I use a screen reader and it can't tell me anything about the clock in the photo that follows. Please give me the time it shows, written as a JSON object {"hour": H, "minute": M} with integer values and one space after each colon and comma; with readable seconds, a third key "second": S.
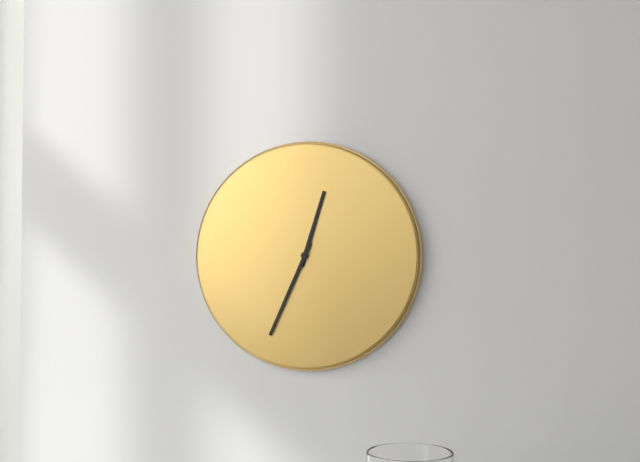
{"hour": 12, "minute": 34}
